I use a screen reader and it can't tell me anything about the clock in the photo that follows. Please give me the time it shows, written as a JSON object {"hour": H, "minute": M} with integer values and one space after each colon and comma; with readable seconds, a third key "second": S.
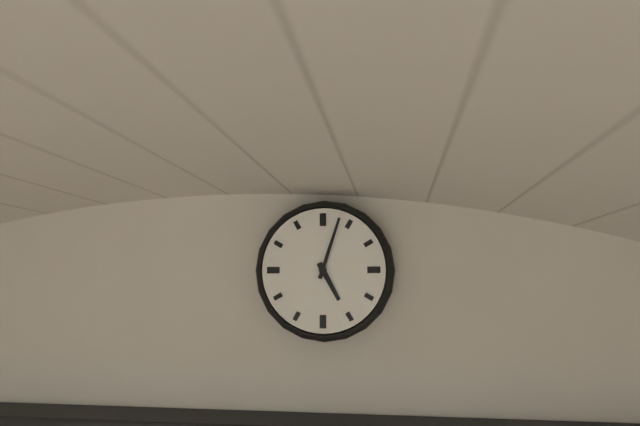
{"hour": 5, "minute": 3}
